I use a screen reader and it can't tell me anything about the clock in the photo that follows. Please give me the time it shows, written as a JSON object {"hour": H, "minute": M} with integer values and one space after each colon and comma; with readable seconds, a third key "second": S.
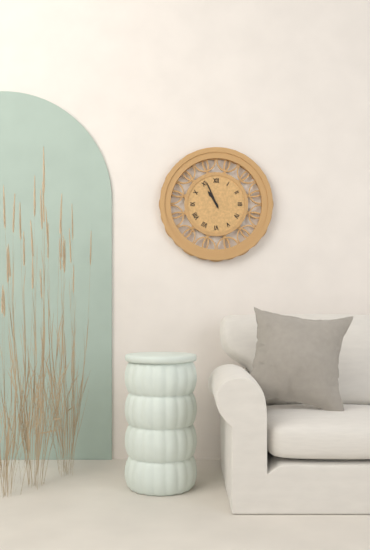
{"hour": 10, "minute": 56}
